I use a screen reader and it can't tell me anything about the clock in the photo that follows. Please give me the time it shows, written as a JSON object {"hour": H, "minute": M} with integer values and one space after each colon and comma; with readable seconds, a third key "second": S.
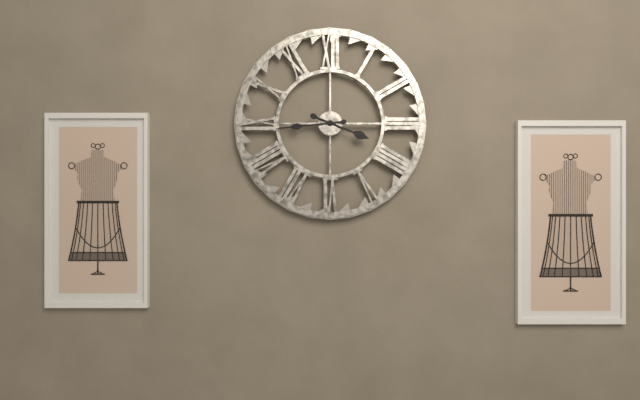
{"hour": 3, "minute": 44}
